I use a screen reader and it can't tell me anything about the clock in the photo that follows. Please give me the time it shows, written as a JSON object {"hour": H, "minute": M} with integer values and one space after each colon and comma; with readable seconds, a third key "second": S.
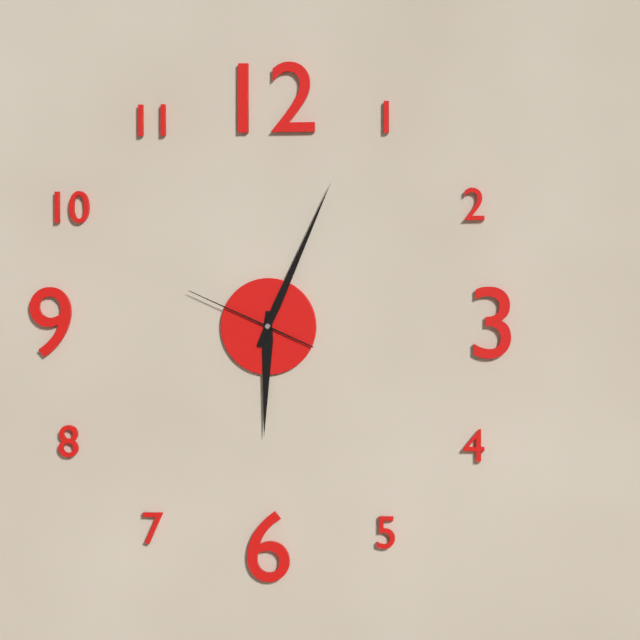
{"hour": 6, "minute": 4, "second": 49}
